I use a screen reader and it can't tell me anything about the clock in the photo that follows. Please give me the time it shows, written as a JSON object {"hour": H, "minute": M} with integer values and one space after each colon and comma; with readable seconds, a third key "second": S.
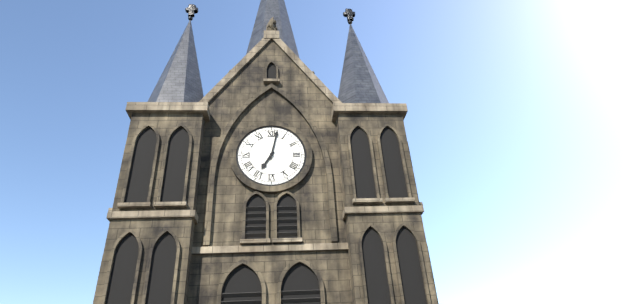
{"hour": 7, "minute": 2}
